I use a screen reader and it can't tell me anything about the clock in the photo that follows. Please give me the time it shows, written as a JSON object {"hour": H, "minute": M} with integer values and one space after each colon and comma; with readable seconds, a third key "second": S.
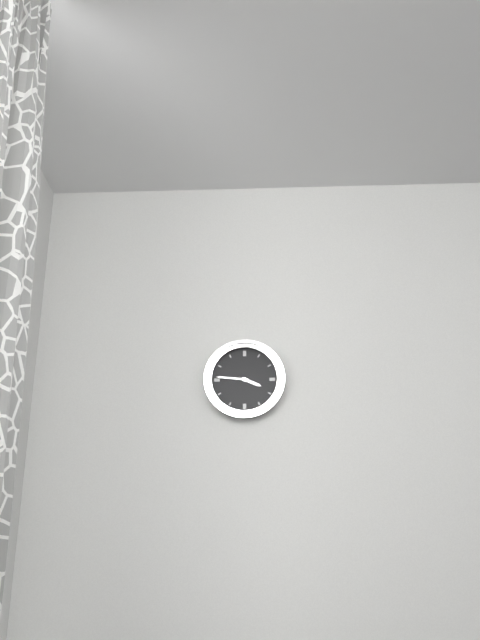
{"hour": 3, "minute": 46}
